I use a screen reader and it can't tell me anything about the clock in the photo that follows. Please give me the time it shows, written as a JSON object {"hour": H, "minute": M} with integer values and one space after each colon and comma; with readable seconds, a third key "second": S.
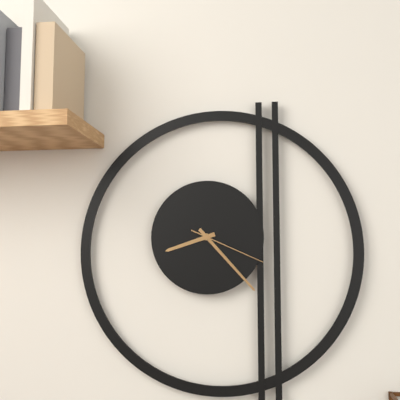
{"hour": 8, "minute": 23, "second": 19}
